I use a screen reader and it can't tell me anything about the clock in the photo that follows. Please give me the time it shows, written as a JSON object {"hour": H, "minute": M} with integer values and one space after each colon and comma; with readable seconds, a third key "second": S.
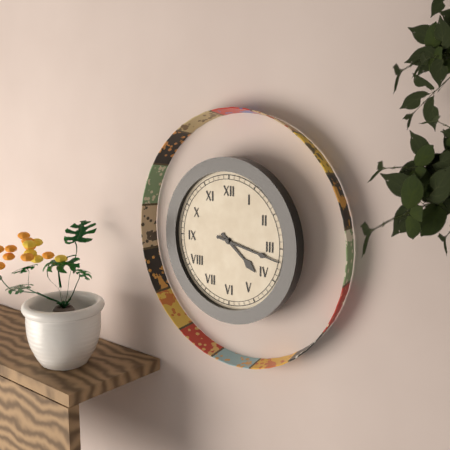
{"hour": 4, "minute": 17}
